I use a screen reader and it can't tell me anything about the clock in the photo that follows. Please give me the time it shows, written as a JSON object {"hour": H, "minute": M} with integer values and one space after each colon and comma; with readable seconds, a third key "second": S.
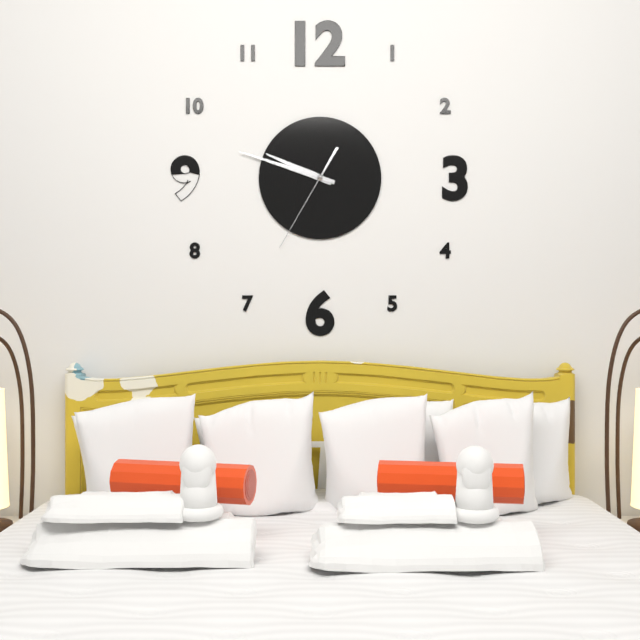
{"hour": 9, "minute": 48, "second": 35}
